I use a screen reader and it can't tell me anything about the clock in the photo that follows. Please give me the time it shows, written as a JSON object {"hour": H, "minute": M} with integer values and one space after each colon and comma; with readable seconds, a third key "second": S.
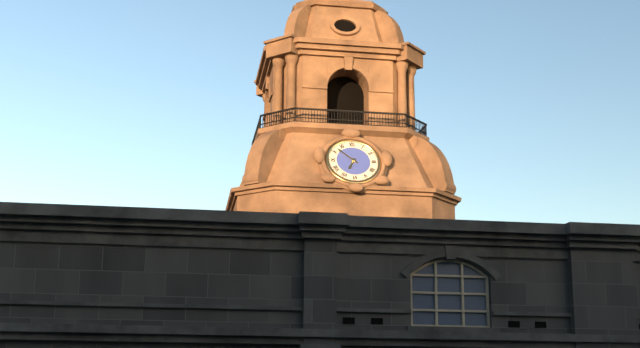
{"hour": 6, "minute": 52}
